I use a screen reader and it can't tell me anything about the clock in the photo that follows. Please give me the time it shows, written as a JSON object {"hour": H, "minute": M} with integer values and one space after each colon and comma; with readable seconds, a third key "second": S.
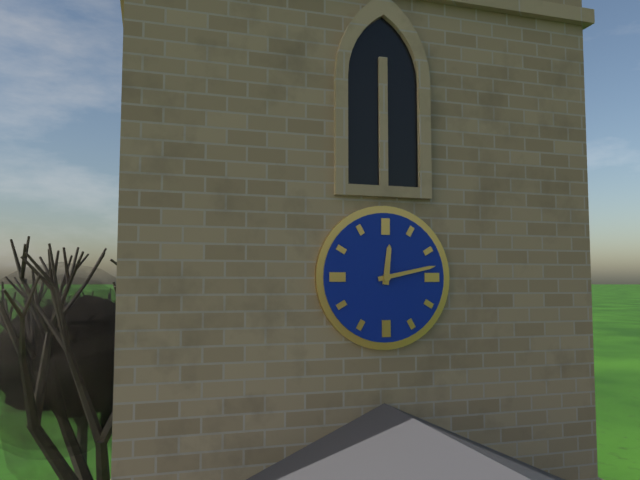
{"hour": 12, "minute": 13}
